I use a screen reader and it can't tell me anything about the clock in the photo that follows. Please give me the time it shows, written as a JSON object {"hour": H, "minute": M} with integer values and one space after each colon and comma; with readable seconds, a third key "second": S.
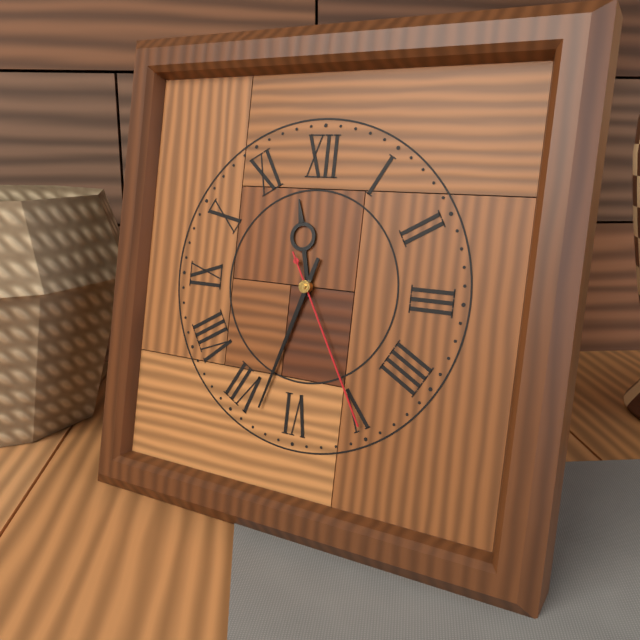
{"hour": 11, "minute": 33, "second": 25}
